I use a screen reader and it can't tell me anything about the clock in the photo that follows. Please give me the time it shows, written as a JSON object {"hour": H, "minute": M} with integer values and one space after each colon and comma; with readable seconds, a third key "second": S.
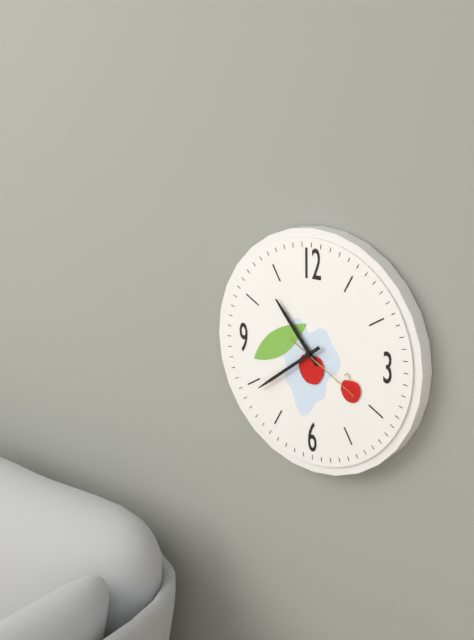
{"hour": 10, "minute": 39, "second": 20}
